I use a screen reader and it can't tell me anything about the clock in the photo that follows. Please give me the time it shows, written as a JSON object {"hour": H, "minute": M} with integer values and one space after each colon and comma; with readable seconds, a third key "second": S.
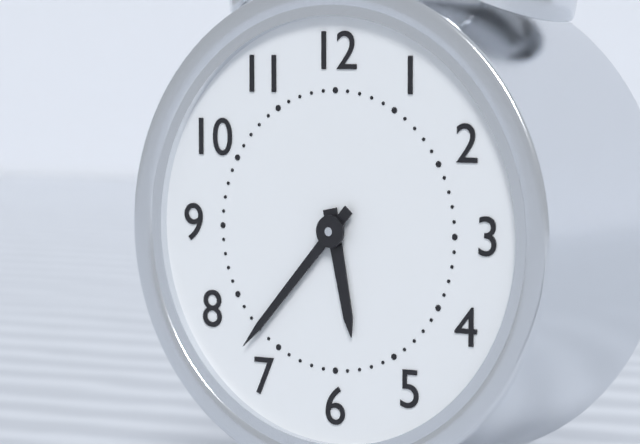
{"hour": 5, "minute": 37}
